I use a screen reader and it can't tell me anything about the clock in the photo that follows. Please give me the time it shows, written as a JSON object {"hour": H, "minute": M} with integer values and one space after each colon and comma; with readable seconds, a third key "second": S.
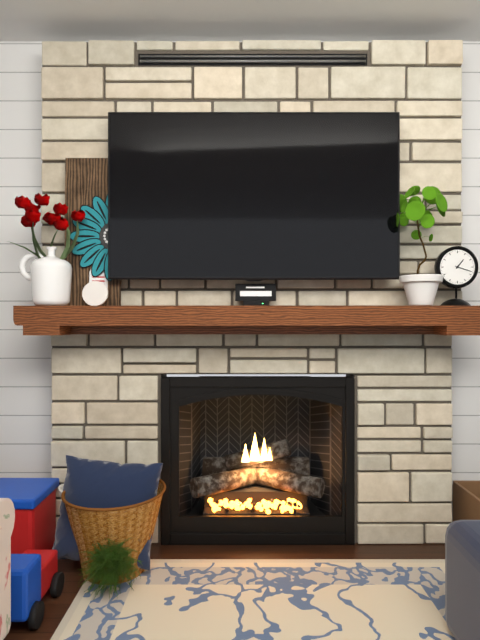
{"hour": 1, "minute": 18}
